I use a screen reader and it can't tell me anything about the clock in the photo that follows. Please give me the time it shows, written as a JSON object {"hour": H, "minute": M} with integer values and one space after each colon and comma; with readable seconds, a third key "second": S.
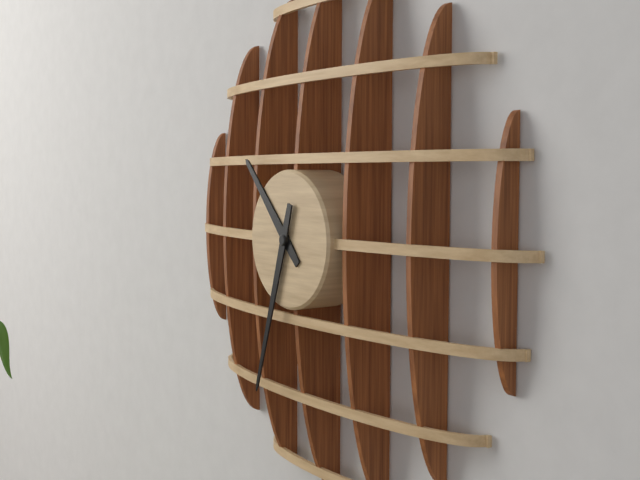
{"hour": 10, "minute": 33}
